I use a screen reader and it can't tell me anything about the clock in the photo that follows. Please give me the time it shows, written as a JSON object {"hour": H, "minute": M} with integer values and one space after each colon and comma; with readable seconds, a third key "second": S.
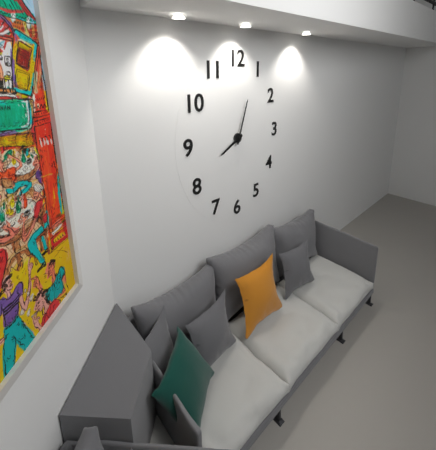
{"hour": 8, "minute": 3}
